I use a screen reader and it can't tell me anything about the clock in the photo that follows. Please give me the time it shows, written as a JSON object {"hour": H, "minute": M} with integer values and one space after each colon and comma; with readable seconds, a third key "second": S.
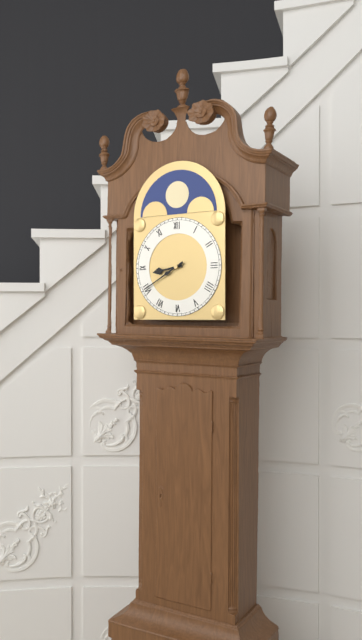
{"hour": 8, "minute": 40}
